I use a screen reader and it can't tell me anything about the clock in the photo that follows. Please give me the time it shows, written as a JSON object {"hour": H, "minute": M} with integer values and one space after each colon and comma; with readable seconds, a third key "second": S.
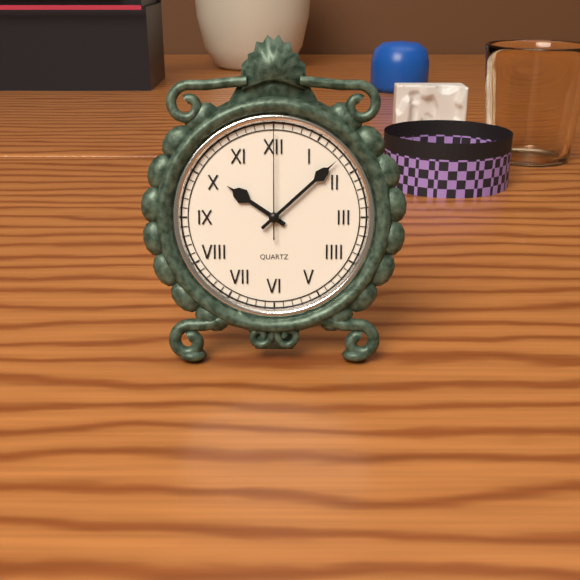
{"hour": 10, "minute": 8, "second": 0}
